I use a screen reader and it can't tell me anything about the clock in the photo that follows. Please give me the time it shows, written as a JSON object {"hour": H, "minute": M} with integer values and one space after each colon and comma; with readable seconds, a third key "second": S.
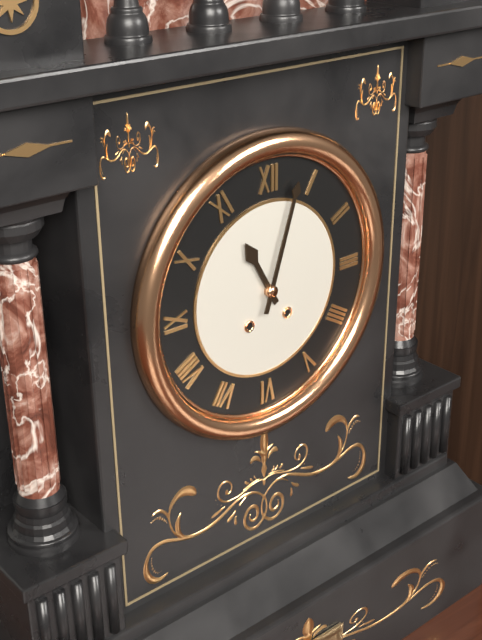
{"hour": 11, "minute": 3}
